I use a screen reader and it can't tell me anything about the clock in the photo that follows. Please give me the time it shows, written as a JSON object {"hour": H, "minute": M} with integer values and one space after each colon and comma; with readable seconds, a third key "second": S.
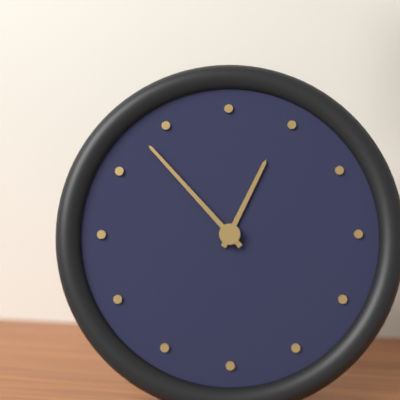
{"hour": 12, "minute": 53}
